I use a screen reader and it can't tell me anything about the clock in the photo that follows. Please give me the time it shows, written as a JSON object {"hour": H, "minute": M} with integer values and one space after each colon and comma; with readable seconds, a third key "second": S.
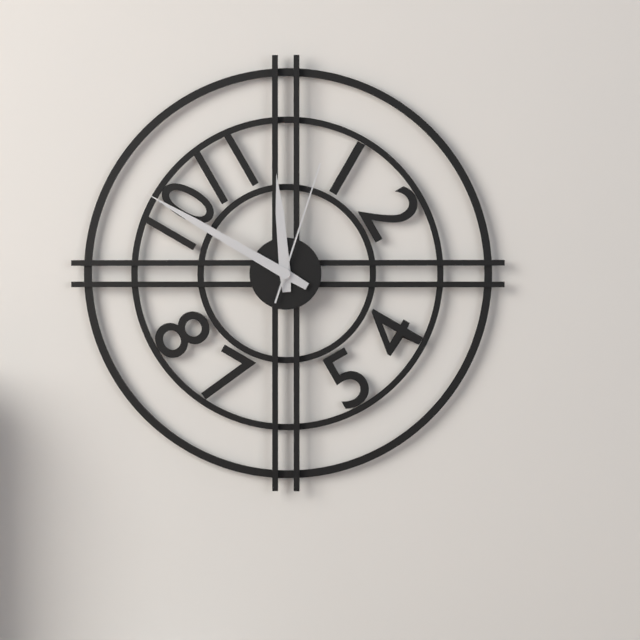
{"hour": 11, "minute": 50, "second": 3}
